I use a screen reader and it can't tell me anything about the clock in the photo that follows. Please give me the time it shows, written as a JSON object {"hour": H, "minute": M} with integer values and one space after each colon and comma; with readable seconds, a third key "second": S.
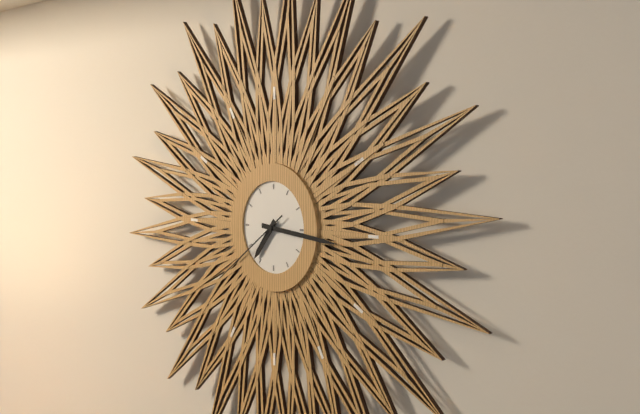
{"hour": 7, "minute": 16, "second": 39}
